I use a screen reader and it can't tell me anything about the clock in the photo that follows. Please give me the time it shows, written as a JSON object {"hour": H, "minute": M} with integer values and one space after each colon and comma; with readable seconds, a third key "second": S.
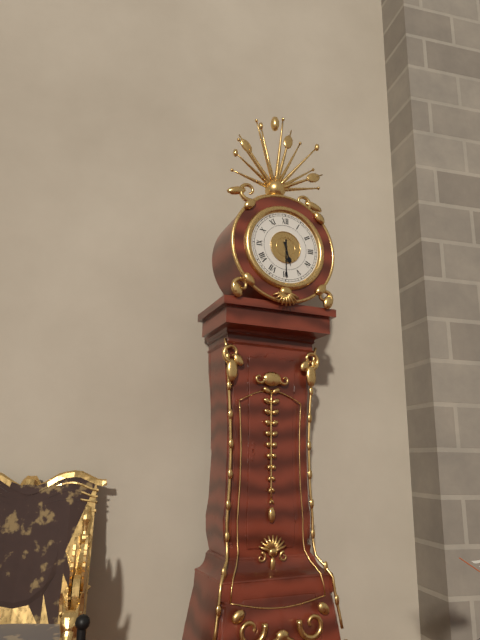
{"hour": 5, "minute": 30}
